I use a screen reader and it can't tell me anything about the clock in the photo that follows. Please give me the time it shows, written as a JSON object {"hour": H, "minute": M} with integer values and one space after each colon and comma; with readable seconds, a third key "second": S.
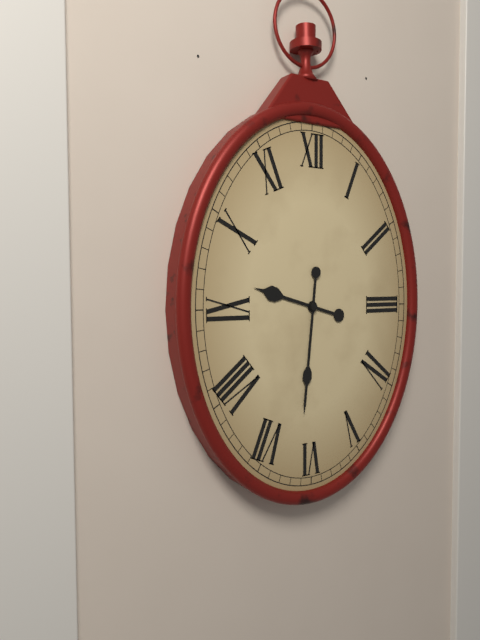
{"hour": 9, "minute": 31}
